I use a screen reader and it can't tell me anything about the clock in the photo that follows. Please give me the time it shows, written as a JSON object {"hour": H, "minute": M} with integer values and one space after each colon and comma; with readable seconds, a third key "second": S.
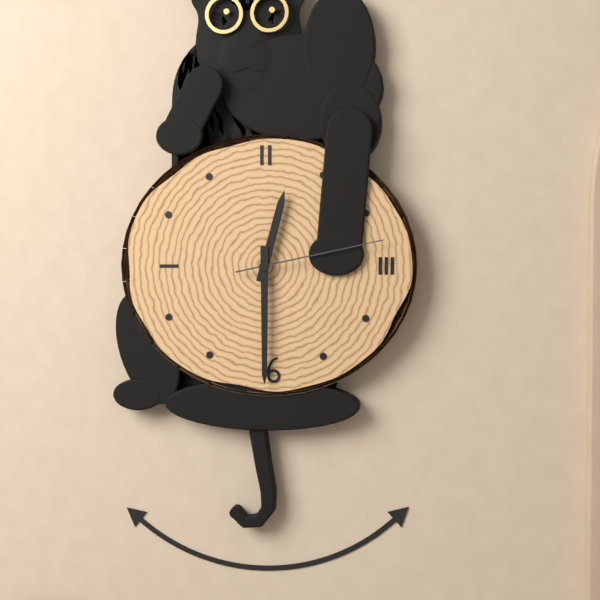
{"hour": 12, "minute": 30, "second": 13}
